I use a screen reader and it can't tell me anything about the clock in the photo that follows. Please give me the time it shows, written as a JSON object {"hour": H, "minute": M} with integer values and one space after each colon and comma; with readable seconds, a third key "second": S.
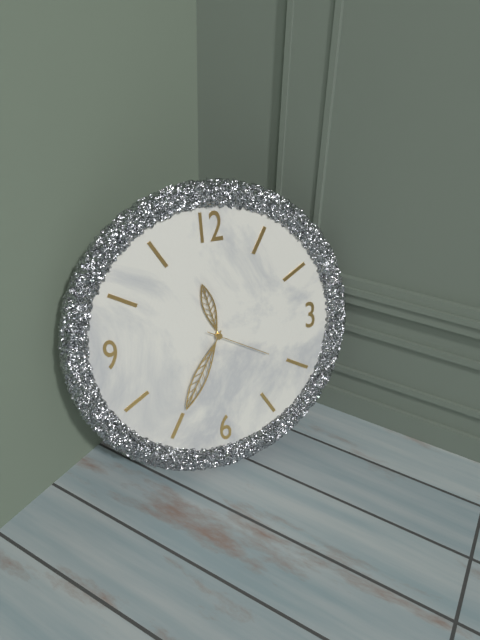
{"hour": 11, "minute": 35, "second": 20}
